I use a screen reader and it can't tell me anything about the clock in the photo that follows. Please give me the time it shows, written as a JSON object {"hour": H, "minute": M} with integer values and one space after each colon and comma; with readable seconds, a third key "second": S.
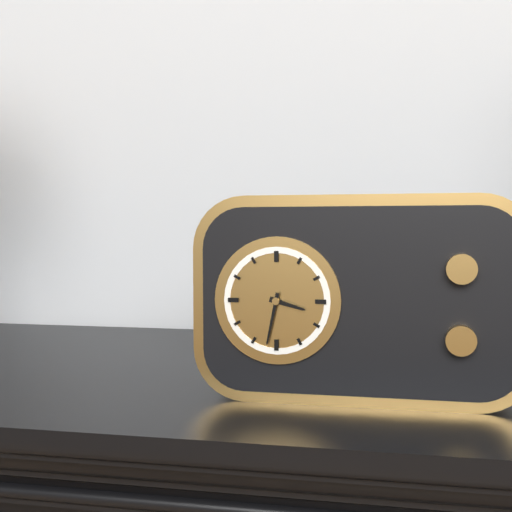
{"hour": 3, "minute": 32}
